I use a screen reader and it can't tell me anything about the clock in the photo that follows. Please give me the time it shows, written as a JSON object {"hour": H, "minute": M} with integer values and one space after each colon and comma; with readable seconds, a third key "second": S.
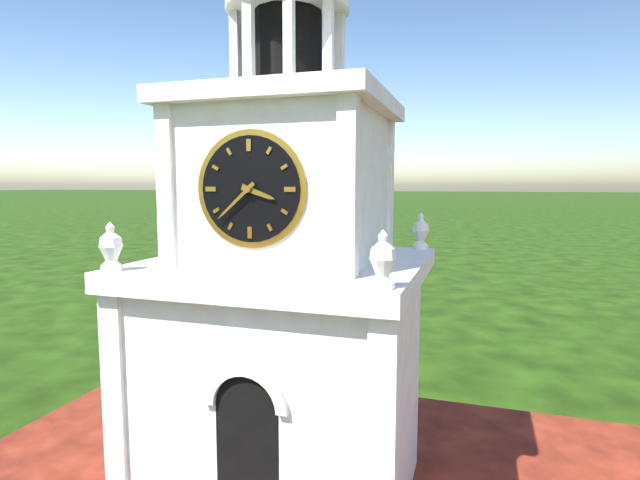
{"hour": 3, "minute": 38}
